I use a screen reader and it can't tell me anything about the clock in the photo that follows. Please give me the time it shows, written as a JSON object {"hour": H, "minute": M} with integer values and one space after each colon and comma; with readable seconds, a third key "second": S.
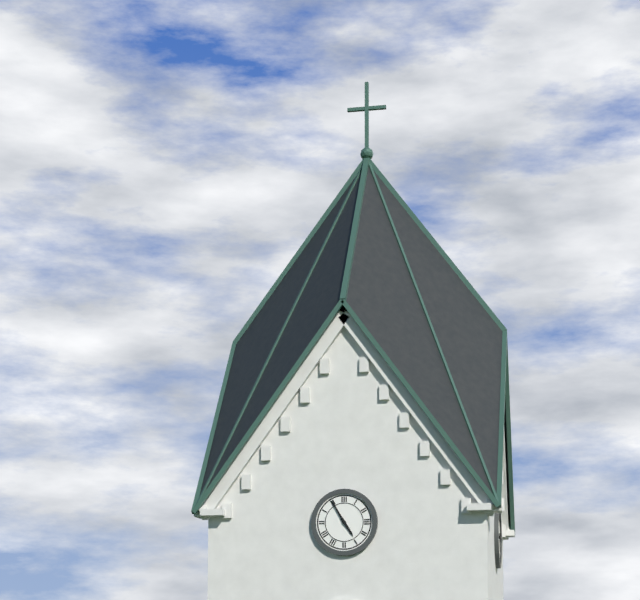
{"hour": 4, "minute": 55}
